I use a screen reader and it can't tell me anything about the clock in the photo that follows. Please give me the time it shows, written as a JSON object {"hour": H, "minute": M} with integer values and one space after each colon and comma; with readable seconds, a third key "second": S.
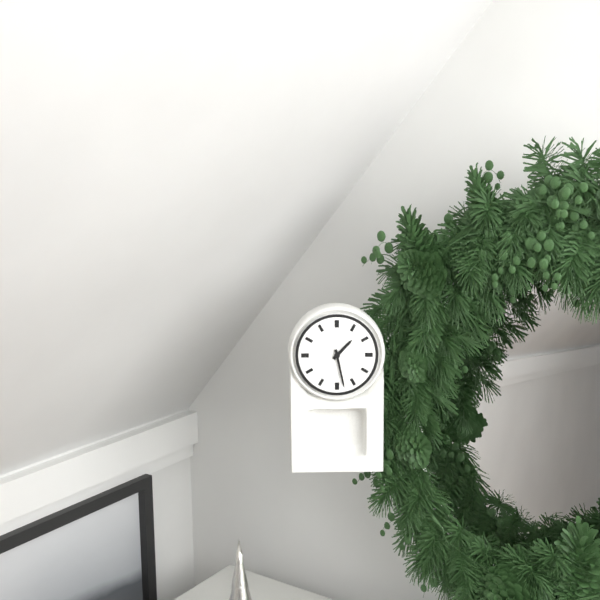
{"hour": 1, "minute": 28}
